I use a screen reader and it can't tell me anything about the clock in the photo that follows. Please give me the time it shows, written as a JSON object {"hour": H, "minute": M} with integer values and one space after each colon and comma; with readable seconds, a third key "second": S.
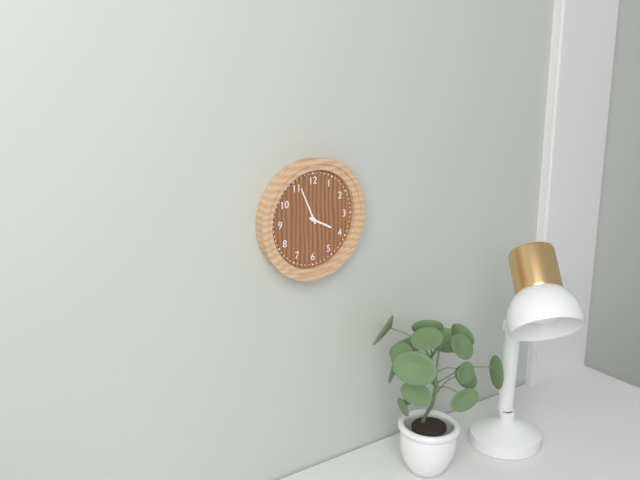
{"hour": 3, "minute": 56}
